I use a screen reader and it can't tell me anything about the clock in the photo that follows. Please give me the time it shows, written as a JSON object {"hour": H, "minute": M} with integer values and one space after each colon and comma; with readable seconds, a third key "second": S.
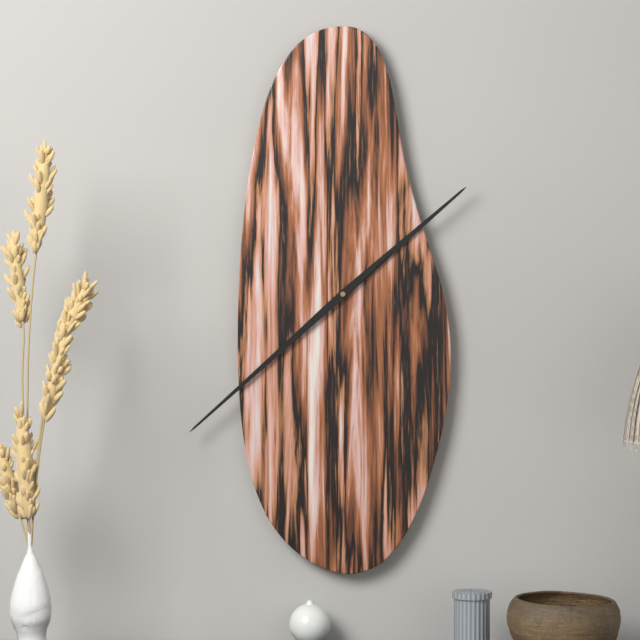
{"hour": 1, "minute": 38}
